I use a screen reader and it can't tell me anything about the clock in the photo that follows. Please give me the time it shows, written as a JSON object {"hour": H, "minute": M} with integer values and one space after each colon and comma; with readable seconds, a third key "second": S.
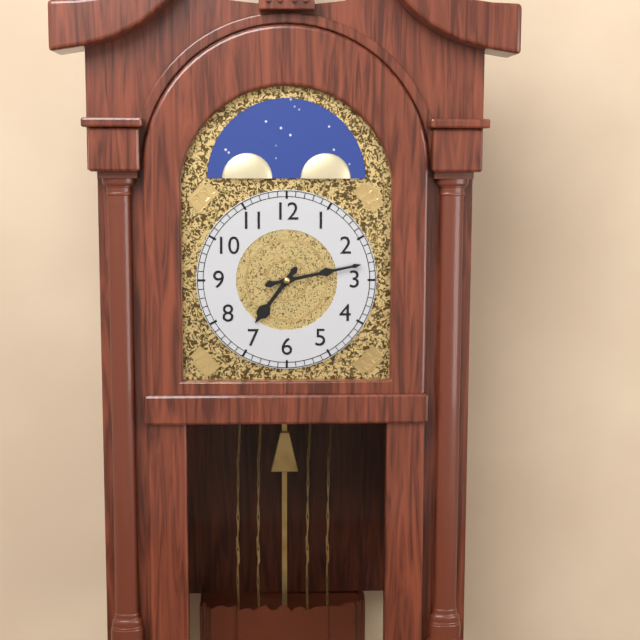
{"hour": 7, "minute": 13}
